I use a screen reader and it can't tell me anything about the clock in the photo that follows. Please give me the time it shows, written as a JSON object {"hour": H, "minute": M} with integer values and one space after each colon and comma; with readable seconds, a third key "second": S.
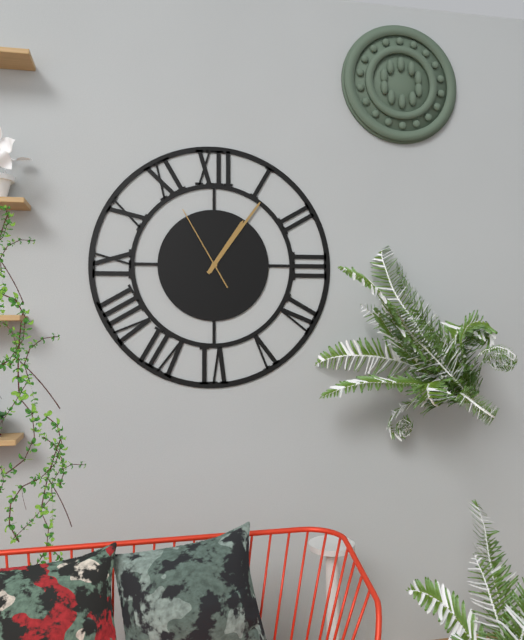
{"hour": 1, "minute": 6, "second": 55}
